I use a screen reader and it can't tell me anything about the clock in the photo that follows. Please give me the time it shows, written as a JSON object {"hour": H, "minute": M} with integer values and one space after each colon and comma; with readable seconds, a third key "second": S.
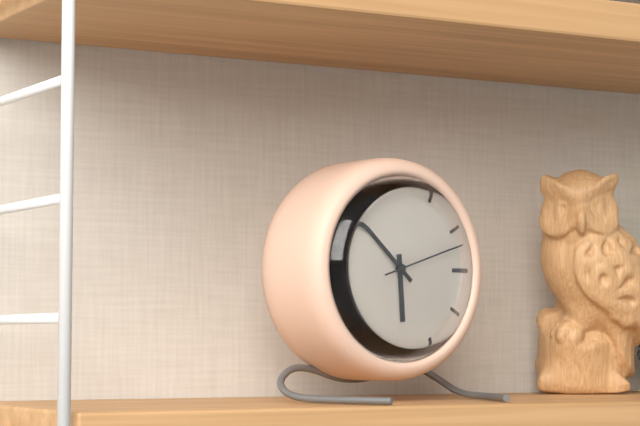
{"hour": 5, "minute": 52, "second": 12}
